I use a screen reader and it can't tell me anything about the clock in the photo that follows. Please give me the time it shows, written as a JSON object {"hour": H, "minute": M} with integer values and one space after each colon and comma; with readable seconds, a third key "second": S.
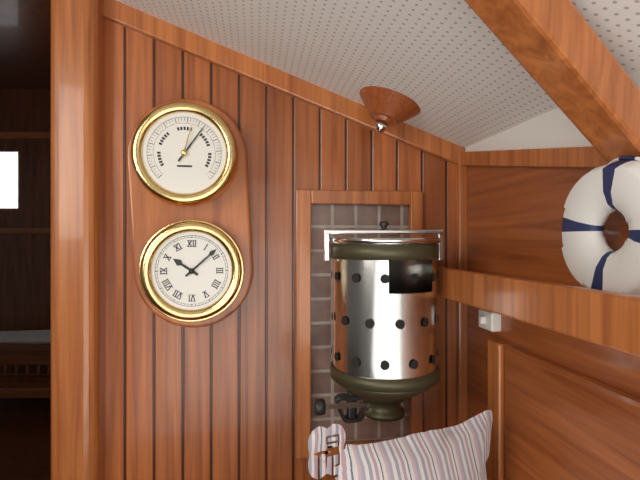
{"hour": 10, "minute": 8}
